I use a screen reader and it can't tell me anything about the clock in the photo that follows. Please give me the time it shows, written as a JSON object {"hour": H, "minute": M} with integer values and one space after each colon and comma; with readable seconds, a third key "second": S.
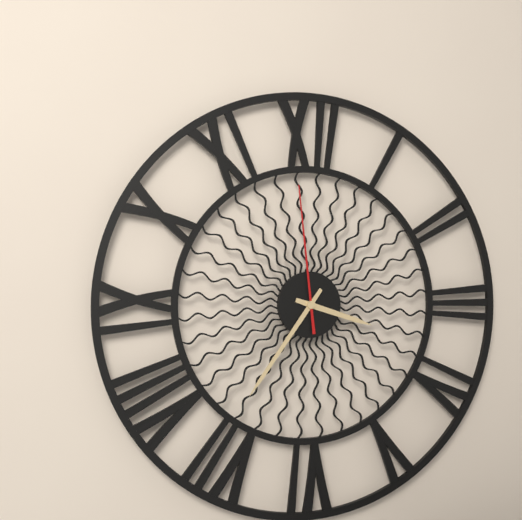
{"hour": 3, "minute": 36, "second": 59}
